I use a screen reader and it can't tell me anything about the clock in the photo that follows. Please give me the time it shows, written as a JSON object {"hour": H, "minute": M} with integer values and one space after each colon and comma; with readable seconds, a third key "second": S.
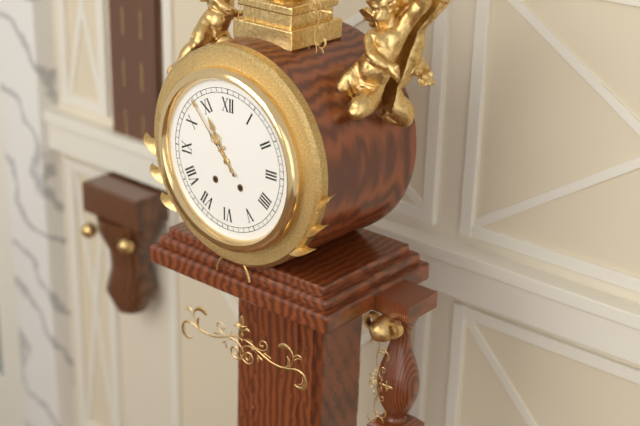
{"hour": 10, "minute": 53}
